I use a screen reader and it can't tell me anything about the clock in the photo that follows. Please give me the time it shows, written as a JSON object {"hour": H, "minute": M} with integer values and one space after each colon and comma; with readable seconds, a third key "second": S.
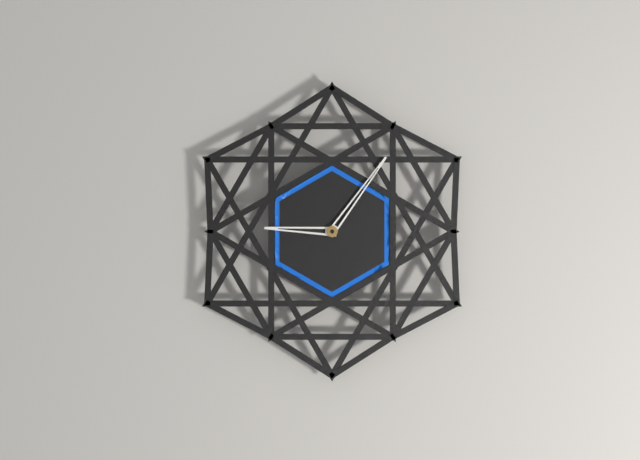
{"hour": 9, "minute": 6}
